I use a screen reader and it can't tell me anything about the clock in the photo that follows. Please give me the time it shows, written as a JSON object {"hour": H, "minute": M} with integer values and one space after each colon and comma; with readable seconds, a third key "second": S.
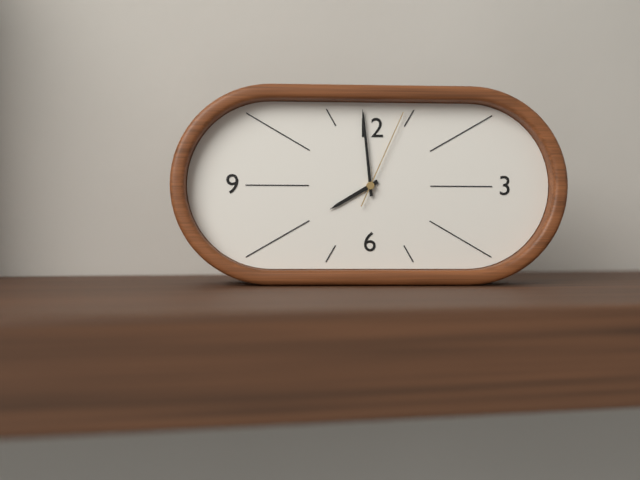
{"hour": 7, "minute": 59, "second": 4}
